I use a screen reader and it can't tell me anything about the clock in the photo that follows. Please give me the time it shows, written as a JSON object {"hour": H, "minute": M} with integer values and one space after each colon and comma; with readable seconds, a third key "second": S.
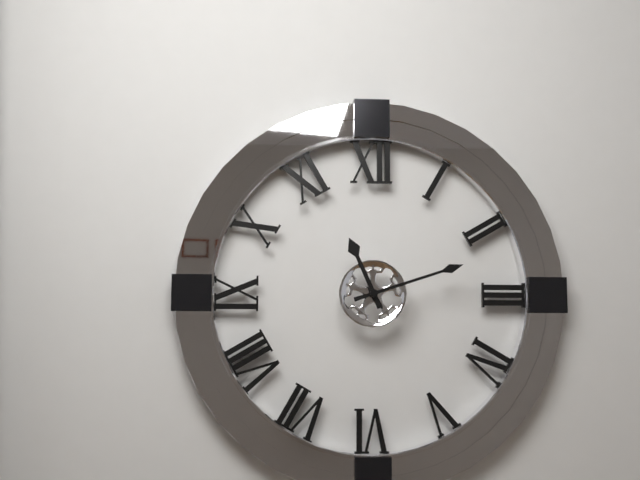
{"hour": 11, "minute": 12}
